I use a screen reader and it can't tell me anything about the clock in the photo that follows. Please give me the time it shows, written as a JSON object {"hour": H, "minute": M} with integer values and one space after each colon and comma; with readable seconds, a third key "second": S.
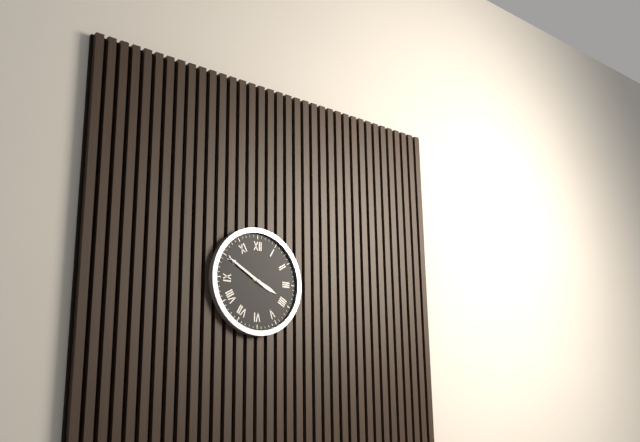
{"hour": 3, "minute": 50}
